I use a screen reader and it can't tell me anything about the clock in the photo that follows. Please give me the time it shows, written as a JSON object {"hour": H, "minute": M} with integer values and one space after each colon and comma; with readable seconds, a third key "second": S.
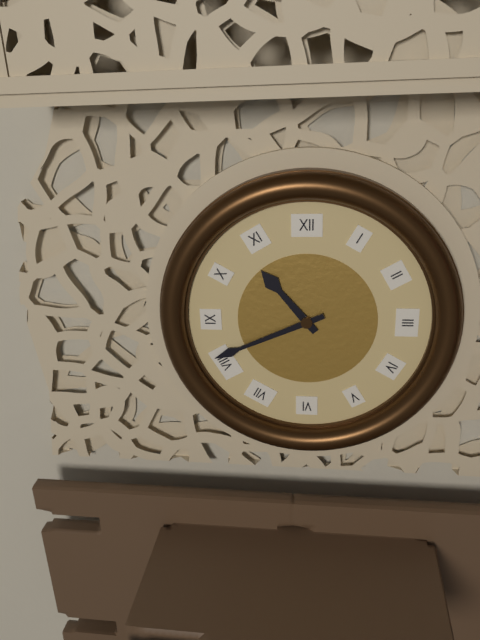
{"hour": 10, "minute": 41}
